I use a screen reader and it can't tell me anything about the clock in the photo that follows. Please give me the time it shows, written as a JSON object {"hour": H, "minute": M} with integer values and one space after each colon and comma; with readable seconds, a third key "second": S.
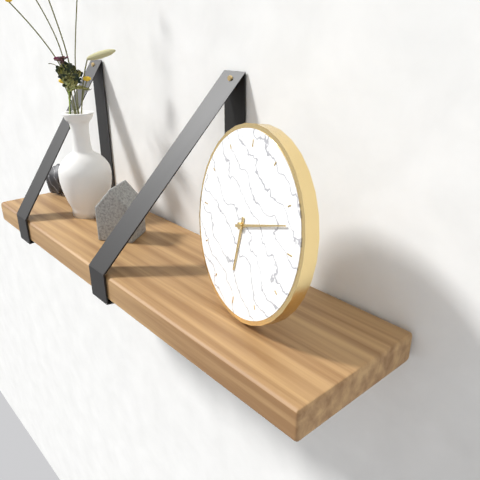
{"hour": 6, "minute": 12}
